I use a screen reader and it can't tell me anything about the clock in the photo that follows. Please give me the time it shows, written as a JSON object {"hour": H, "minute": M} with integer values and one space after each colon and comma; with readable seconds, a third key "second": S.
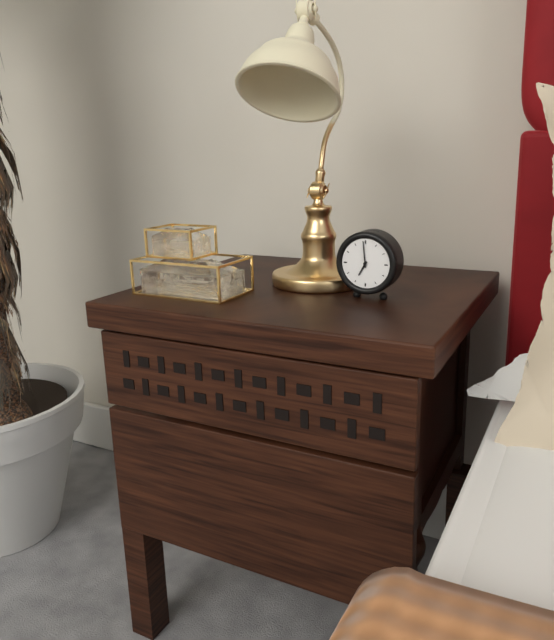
{"hour": 6, "minute": 59}
